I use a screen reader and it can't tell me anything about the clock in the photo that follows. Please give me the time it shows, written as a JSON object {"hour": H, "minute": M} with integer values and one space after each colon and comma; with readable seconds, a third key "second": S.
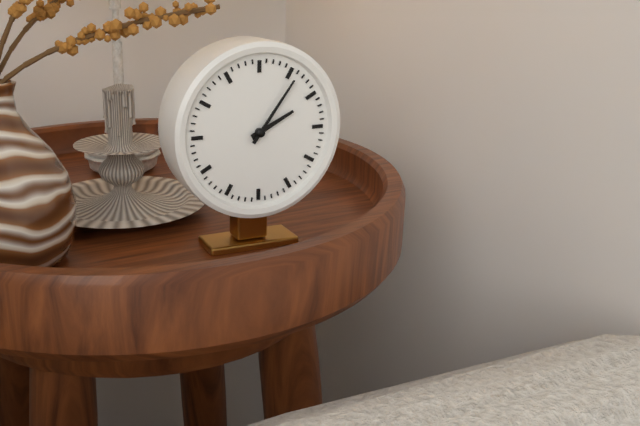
{"hour": 2, "minute": 6}
